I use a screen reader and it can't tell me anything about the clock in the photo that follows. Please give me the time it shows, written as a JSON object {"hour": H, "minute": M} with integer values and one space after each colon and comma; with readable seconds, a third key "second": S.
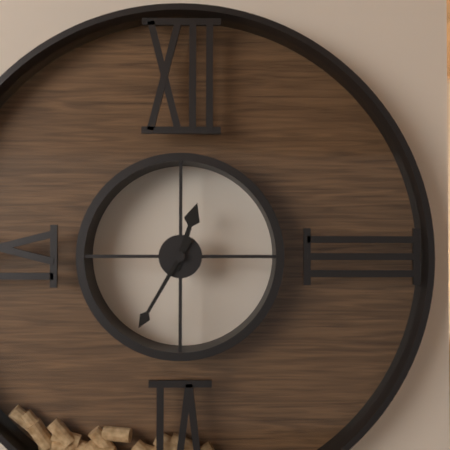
{"hour": 12, "minute": 35}
